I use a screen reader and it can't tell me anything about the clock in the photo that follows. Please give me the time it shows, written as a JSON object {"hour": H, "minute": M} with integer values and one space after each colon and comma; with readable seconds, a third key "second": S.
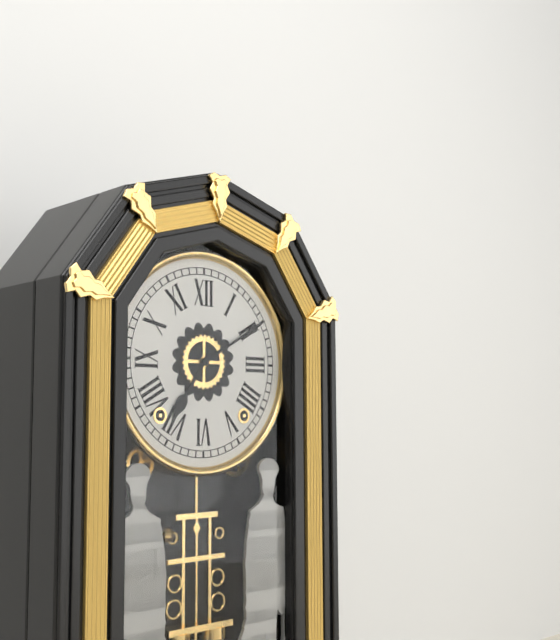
{"hour": 7, "minute": 10}
